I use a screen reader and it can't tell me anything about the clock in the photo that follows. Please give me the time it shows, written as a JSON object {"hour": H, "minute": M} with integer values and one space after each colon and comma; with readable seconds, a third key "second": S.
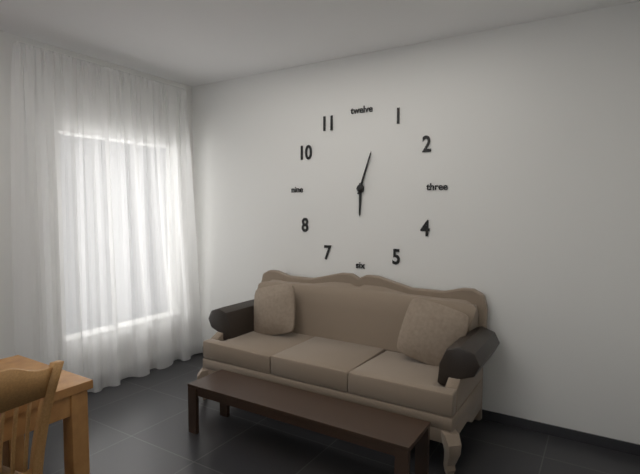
{"hour": 6, "minute": 3}
